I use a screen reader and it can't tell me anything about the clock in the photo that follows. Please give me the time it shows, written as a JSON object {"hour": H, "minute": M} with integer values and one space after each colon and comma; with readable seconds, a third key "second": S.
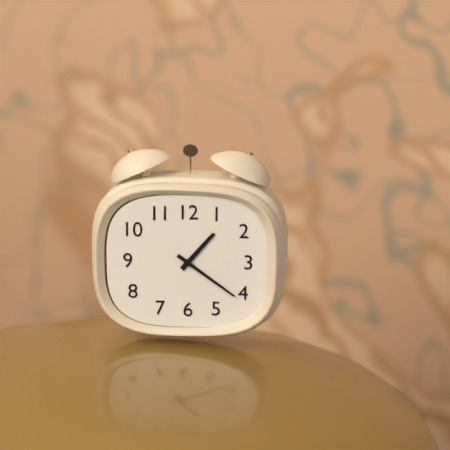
{"hour": 1, "minute": 21}
